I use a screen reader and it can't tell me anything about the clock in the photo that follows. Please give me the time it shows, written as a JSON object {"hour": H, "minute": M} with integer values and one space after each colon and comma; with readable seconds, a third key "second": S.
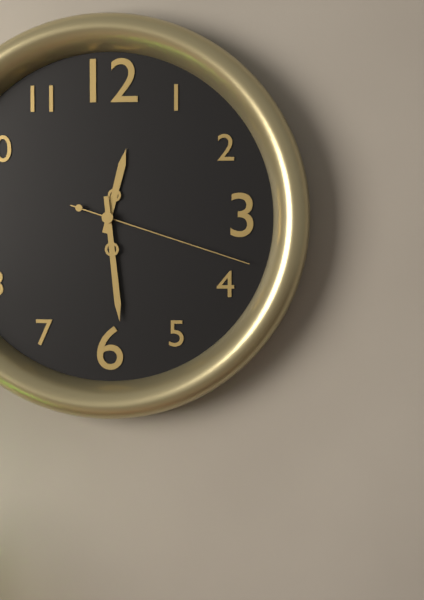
{"hour": 12, "minute": 29, "second": 18}
